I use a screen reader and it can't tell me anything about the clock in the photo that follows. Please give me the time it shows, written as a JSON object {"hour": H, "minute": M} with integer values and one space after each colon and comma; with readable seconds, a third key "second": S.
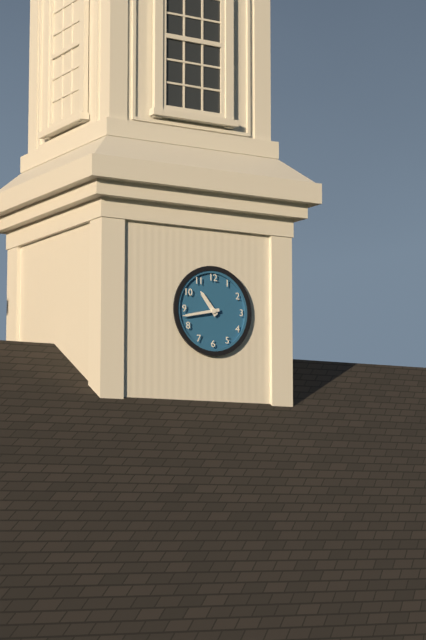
{"hour": 10, "minute": 43}
